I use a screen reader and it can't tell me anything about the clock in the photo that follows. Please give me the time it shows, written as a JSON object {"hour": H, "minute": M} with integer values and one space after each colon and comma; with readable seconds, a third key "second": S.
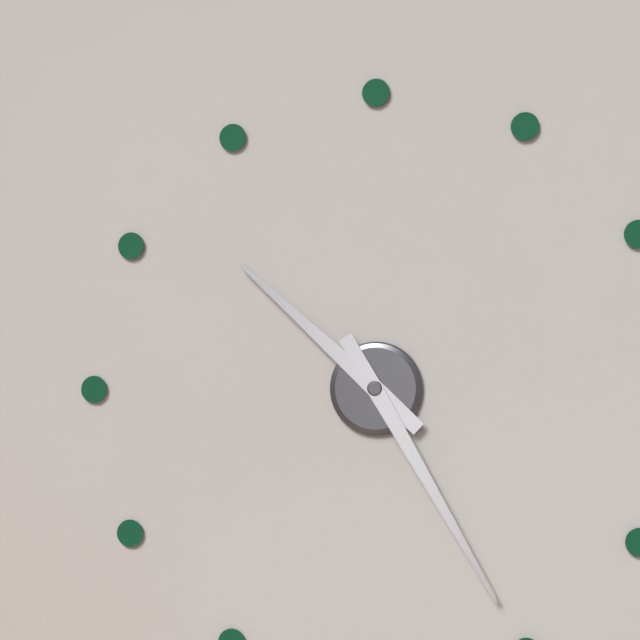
{"hour": 10, "minute": 25}
